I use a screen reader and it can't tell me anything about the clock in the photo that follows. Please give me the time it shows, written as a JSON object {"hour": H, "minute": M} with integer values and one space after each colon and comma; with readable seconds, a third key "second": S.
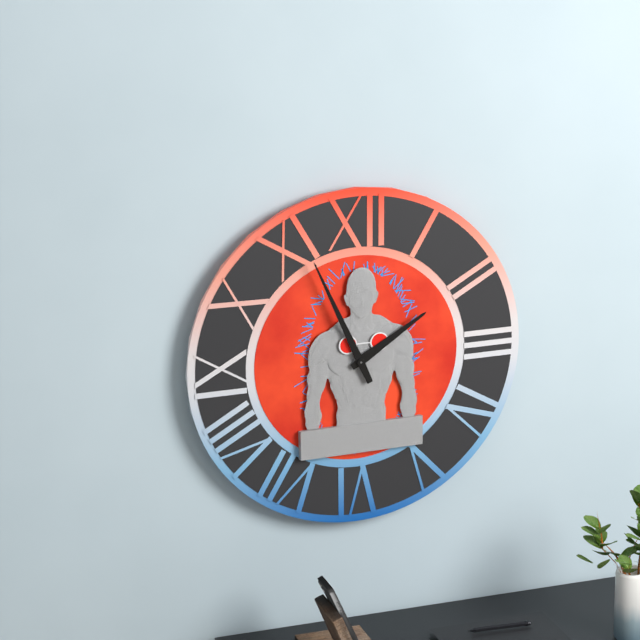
{"hour": 1, "minute": 56}
